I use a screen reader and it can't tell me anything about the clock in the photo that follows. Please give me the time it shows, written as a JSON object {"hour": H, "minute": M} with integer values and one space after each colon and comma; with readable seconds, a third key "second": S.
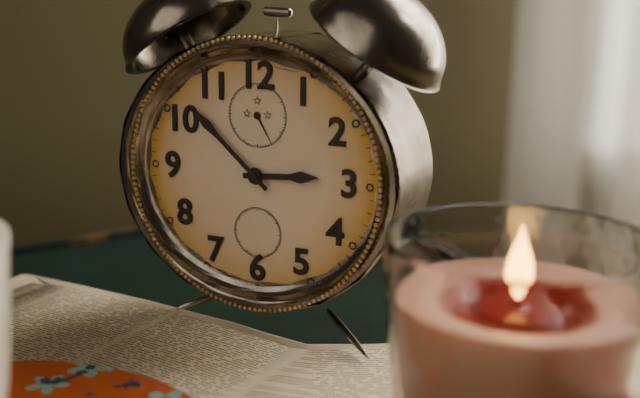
{"hour": 2, "minute": 52}
